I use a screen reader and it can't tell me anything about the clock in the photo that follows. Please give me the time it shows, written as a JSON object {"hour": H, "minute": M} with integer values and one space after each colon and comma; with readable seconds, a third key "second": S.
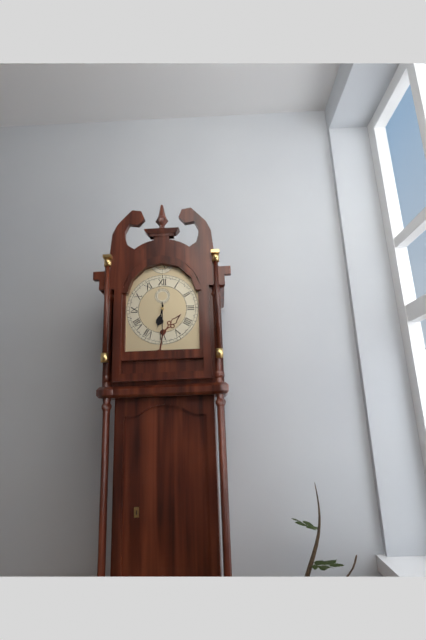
{"hour": 6, "minute": 30}
